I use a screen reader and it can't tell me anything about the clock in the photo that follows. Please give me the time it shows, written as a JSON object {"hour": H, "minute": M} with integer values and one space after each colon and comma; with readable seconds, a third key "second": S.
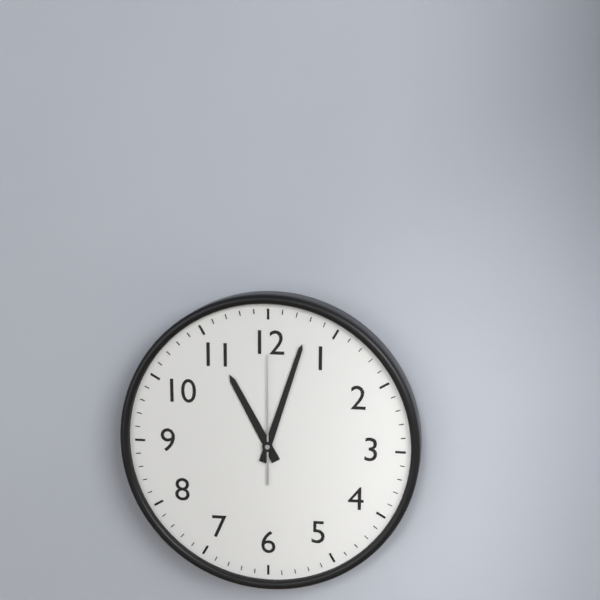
{"hour": 11, "minute": 3, "second": 0}
